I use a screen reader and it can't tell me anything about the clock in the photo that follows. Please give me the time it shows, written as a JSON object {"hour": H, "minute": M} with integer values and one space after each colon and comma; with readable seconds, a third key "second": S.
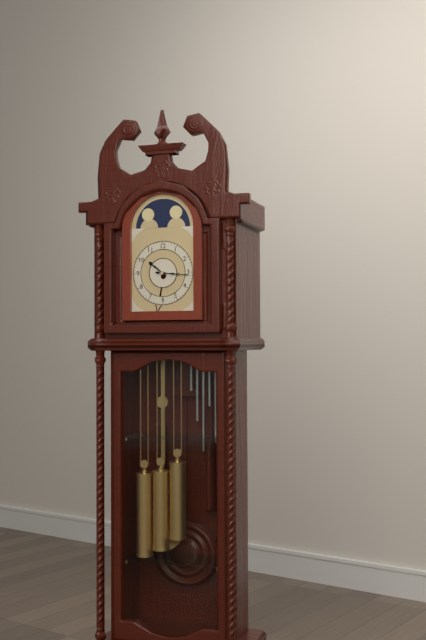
{"hour": 10, "minute": 16}
